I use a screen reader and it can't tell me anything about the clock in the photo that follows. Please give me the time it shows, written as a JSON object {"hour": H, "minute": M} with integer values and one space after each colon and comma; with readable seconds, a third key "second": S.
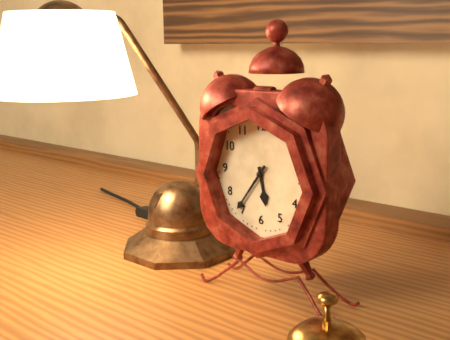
{"hour": 5, "minute": 36}
